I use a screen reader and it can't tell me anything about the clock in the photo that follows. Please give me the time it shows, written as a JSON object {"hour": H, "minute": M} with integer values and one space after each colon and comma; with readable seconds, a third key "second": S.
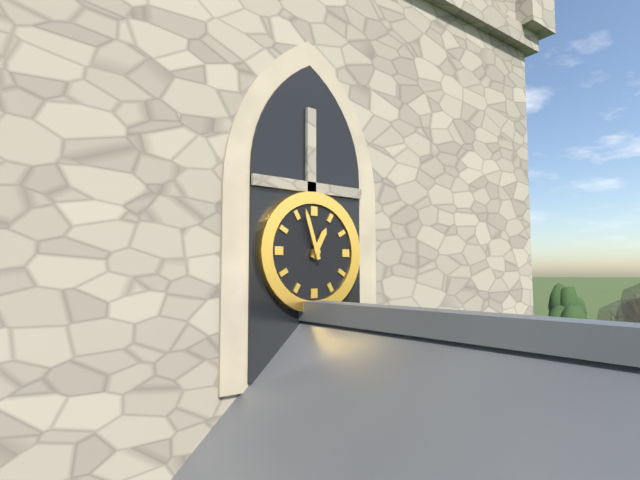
{"hour": 12, "minute": 57}
